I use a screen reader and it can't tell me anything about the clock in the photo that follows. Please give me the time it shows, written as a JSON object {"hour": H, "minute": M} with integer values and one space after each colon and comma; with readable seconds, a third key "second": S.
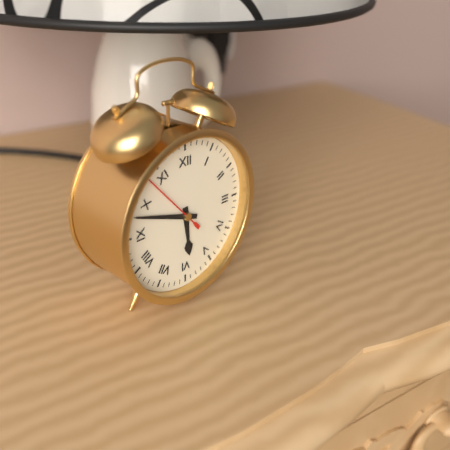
{"hour": 5, "minute": 48, "second": 53}
